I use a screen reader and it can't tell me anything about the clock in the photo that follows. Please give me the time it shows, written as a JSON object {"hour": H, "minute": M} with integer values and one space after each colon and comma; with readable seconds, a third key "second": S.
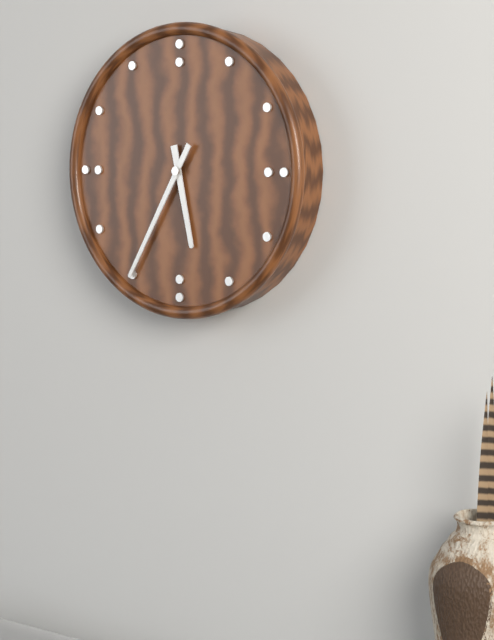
{"hour": 5, "minute": 35}
